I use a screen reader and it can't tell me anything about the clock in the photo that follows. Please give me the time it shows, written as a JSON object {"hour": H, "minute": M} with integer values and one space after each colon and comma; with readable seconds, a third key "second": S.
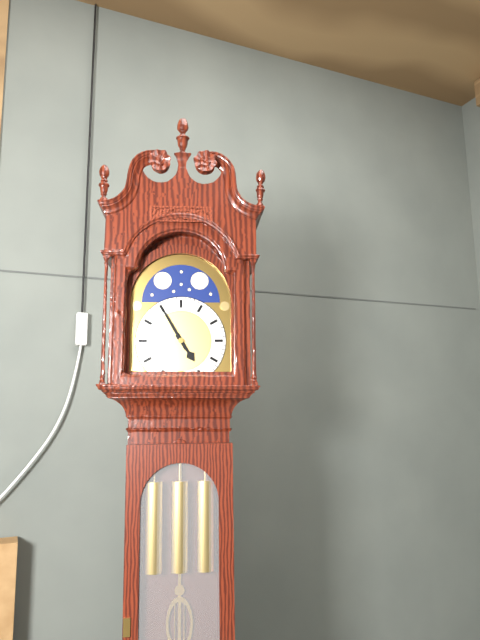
{"hour": 4, "minute": 55}
